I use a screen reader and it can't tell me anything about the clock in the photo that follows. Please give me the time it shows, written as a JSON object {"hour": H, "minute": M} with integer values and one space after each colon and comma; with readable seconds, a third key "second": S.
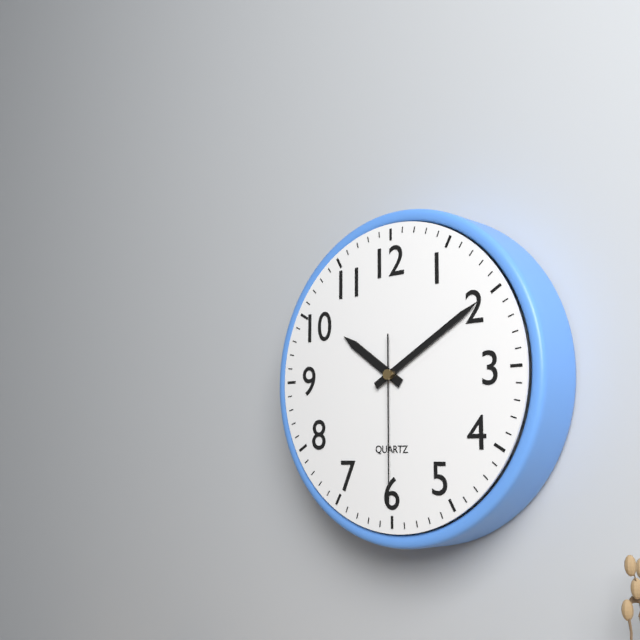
{"hour": 10, "minute": 10, "second": 30}
